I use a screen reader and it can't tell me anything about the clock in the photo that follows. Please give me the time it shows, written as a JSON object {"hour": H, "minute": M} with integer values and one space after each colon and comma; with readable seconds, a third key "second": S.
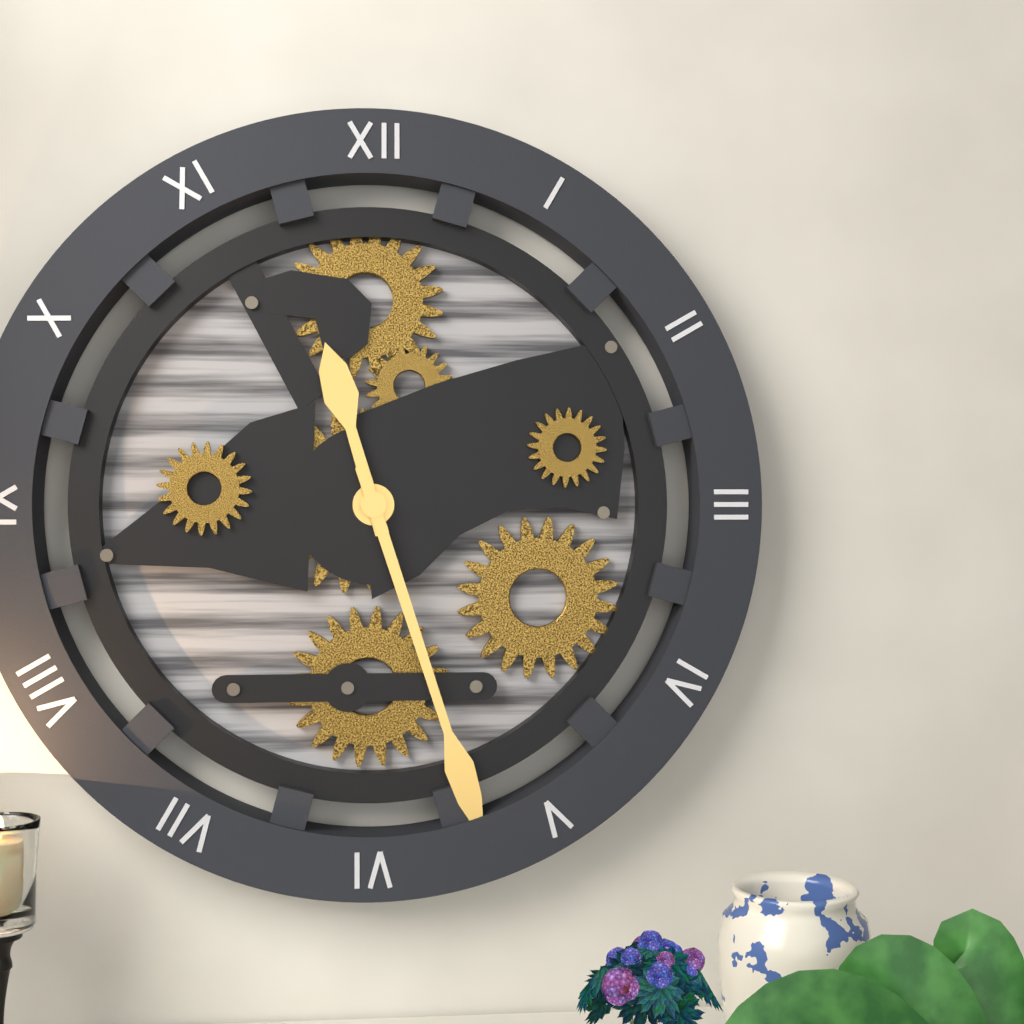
{"hour": 11, "minute": 27}
